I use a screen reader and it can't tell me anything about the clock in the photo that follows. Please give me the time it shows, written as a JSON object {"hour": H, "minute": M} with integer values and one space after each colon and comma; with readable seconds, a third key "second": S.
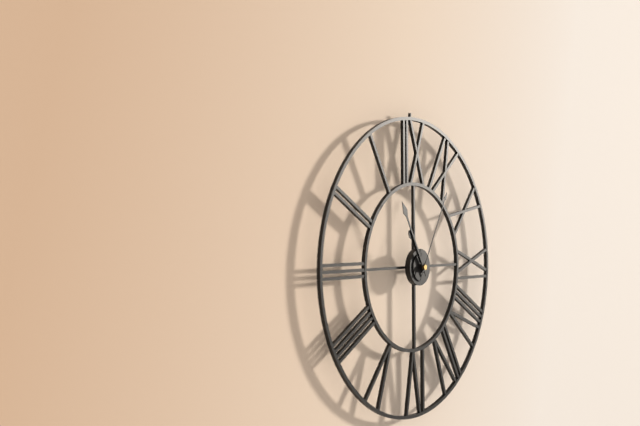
{"hour": 10, "minute": 55, "second": 5}
